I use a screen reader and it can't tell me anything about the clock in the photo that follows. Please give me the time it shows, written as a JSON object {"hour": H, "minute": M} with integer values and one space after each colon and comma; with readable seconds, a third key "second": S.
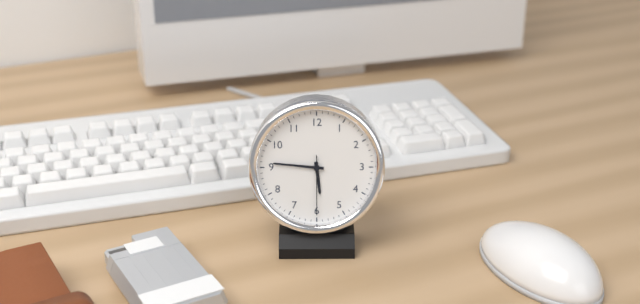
{"hour": 5, "minute": 46, "second": 30}
